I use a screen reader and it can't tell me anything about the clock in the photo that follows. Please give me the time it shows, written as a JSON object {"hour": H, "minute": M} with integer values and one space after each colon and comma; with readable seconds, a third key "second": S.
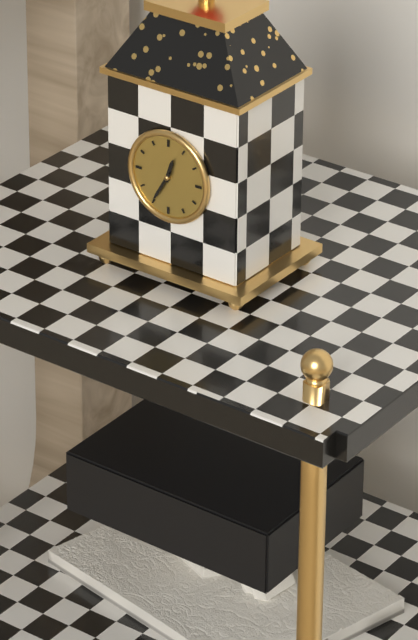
{"hour": 12, "minute": 35}
